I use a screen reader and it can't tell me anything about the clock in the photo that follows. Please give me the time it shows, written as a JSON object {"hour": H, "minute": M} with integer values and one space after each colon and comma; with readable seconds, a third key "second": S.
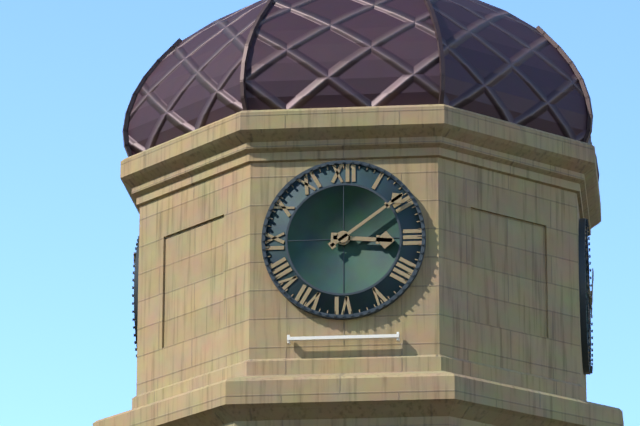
{"hour": 3, "minute": 9}
